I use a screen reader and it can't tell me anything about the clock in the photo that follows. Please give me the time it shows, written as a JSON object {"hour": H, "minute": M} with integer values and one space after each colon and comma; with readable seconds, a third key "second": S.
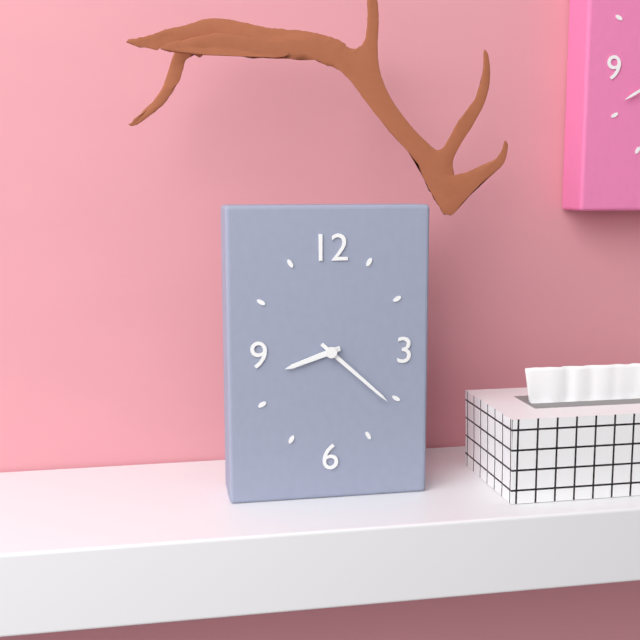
{"hour": 8, "minute": 22}
